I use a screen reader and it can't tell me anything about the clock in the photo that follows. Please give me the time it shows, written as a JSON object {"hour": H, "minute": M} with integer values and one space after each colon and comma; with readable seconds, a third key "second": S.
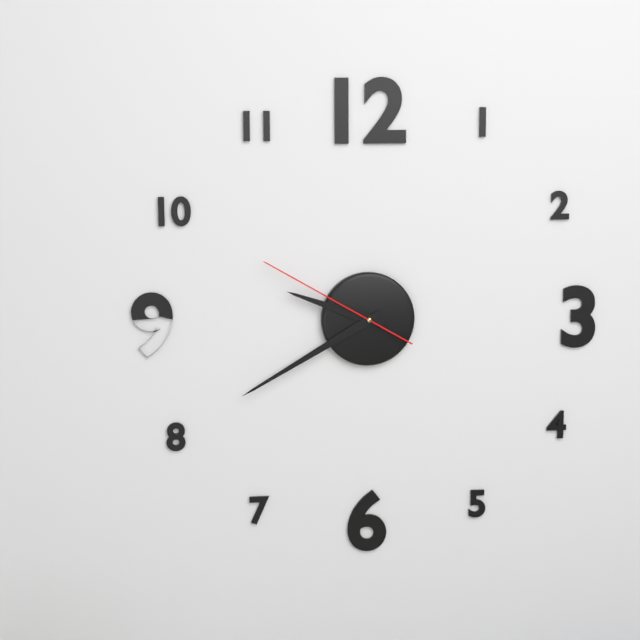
{"hour": 9, "minute": 40, "second": 50}
